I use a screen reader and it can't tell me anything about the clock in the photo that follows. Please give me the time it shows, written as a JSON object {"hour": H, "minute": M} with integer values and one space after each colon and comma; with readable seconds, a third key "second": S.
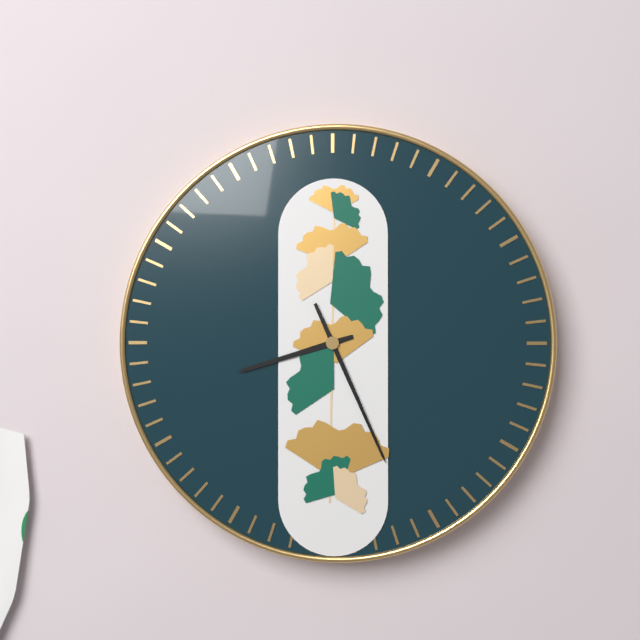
{"hour": 8, "minute": 26}
